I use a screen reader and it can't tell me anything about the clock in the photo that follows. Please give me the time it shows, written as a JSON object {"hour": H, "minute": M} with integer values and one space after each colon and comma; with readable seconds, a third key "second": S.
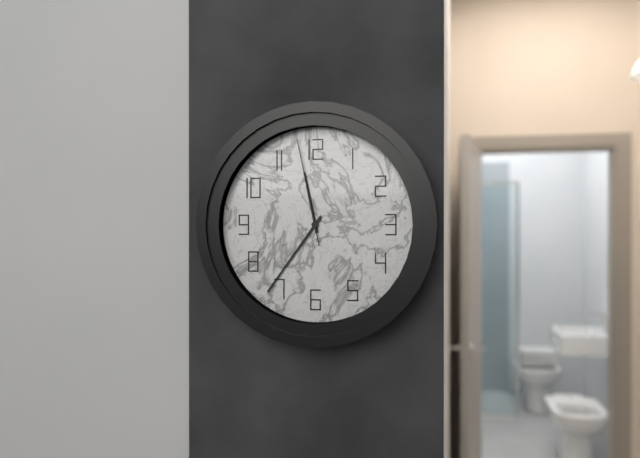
{"hour": 11, "minute": 36, "second": 58}
